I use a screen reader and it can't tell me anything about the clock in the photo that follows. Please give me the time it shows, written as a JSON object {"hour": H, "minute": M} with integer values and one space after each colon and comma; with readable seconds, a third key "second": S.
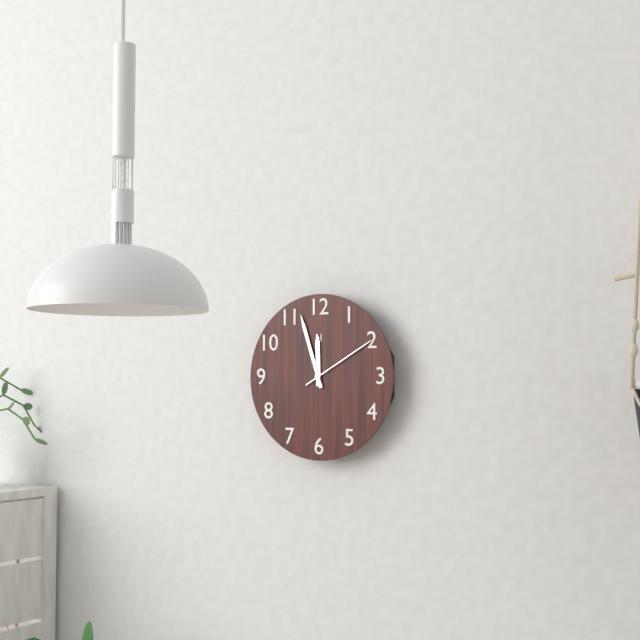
{"hour": 11, "minute": 57, "second": 10}
